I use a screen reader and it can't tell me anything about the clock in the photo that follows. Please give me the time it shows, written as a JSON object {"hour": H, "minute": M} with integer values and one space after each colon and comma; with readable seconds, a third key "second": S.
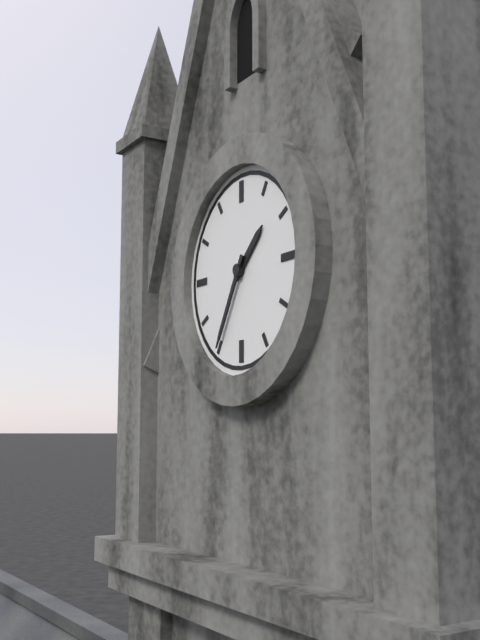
{"hour": 1, "minute": 35}
